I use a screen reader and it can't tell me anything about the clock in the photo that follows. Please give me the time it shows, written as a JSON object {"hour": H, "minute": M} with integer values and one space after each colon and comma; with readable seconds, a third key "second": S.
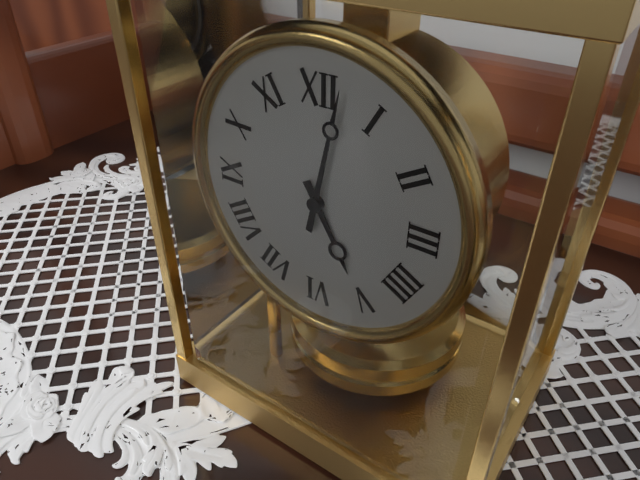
{"hour": 5, "minute": 2}
